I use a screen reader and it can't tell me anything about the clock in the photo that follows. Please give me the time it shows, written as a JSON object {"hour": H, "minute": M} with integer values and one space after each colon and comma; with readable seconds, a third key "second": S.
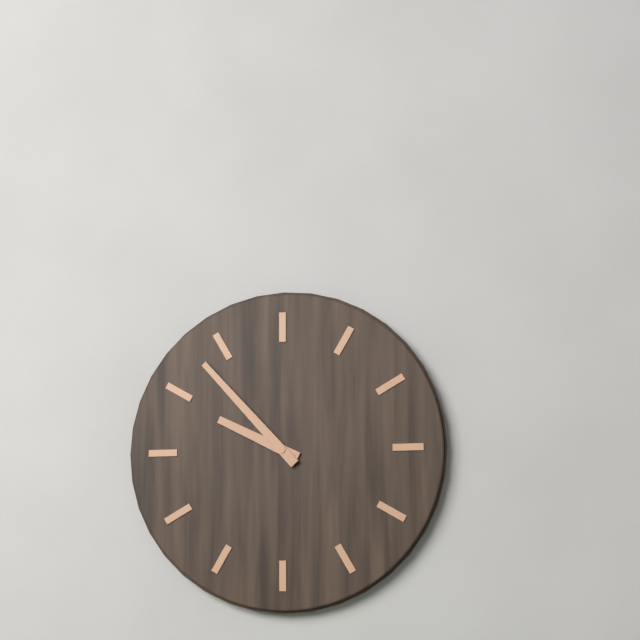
{"hour": 9, "minute": 53}
